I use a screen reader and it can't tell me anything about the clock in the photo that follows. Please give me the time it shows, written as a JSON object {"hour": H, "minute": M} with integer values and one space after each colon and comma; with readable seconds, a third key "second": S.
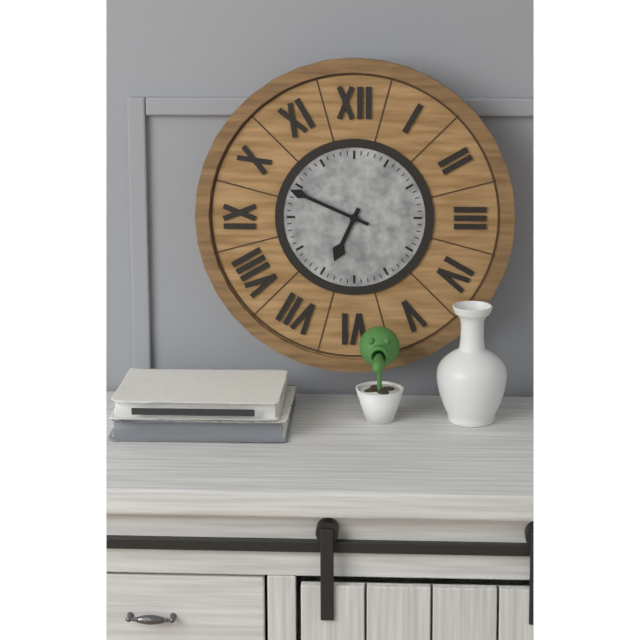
{"hour": 6, "minute": 49}
